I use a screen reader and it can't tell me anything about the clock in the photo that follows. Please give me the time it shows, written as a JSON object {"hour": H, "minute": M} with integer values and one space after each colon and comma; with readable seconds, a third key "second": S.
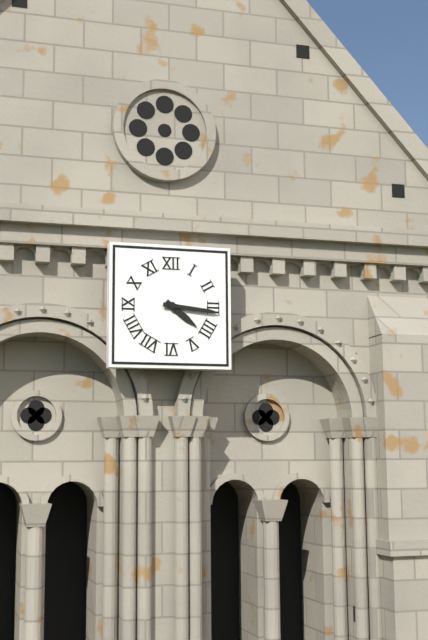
{"hour": 4, "minute": 16}
